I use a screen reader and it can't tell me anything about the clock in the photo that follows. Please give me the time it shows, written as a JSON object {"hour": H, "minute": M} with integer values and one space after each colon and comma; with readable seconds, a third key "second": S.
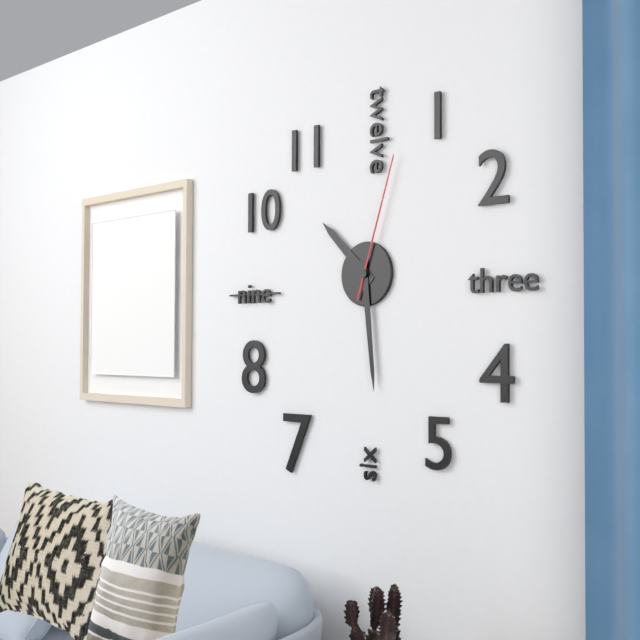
{"hour": 10, "minute": 29, "second": 3}
